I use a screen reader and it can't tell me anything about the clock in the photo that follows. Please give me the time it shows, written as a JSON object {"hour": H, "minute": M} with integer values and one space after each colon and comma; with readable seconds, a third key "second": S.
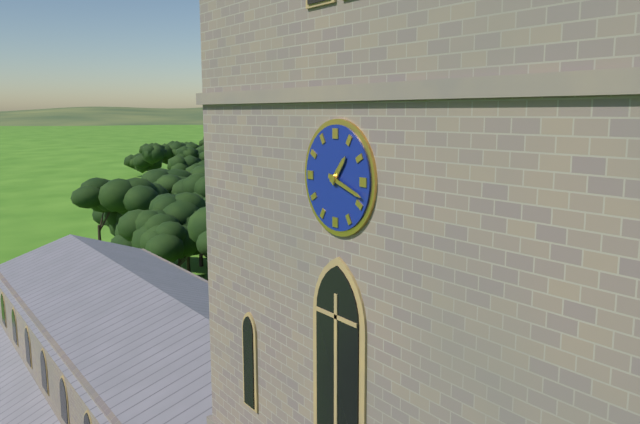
{"hour": 1, "minute": 18}
